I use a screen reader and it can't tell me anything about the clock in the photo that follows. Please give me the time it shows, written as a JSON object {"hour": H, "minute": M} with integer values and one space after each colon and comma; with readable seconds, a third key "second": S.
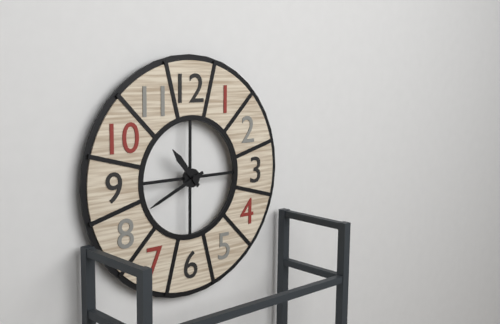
{"hour": 10, "minute": 41}
